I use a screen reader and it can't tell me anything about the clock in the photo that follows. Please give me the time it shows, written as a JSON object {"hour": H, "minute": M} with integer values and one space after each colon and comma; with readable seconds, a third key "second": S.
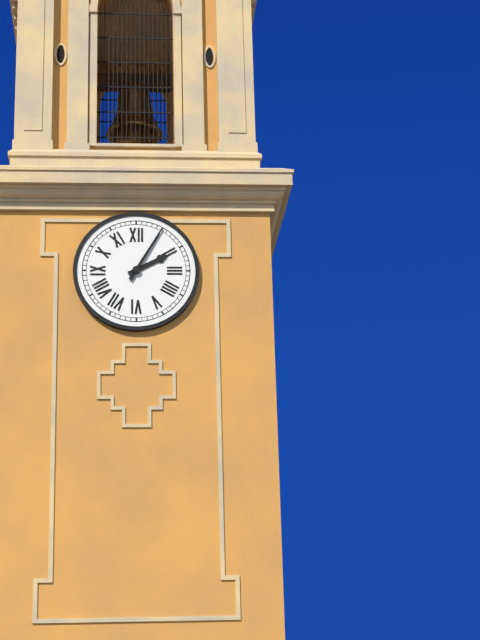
{"hour": 2, "minute": 5}
